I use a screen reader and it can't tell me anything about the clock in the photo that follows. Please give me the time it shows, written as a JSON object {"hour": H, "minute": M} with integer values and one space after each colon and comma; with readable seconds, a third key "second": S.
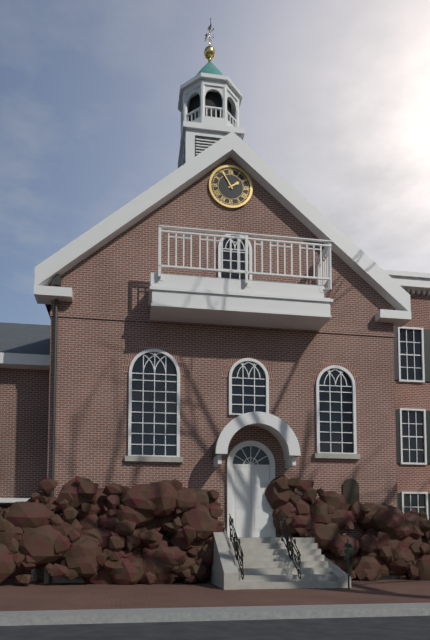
{"hour": 1, "minute": 55}
